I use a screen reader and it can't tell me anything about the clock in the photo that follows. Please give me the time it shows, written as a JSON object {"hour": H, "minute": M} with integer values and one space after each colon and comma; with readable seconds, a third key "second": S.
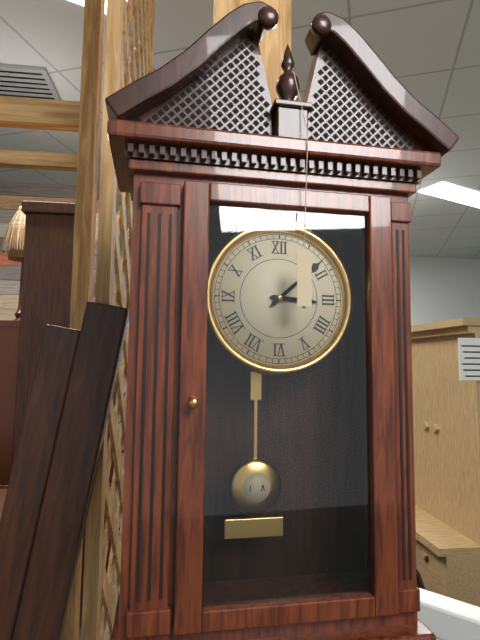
{"hour": 3, "minute": 8}
